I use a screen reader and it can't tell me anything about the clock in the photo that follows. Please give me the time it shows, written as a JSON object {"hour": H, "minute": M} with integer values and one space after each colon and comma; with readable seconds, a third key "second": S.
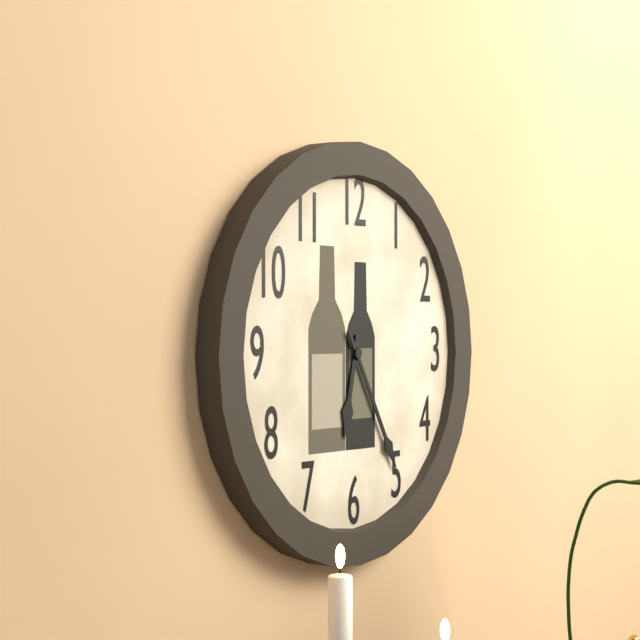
{"hour": 6, "minute": 25}
